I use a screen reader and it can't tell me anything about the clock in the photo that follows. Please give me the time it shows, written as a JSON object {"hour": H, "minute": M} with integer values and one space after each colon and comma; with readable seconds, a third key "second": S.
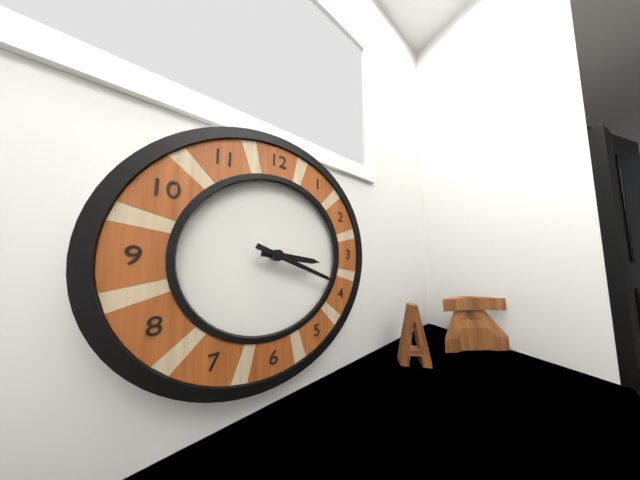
{"hour": 3, "minute": 19}
